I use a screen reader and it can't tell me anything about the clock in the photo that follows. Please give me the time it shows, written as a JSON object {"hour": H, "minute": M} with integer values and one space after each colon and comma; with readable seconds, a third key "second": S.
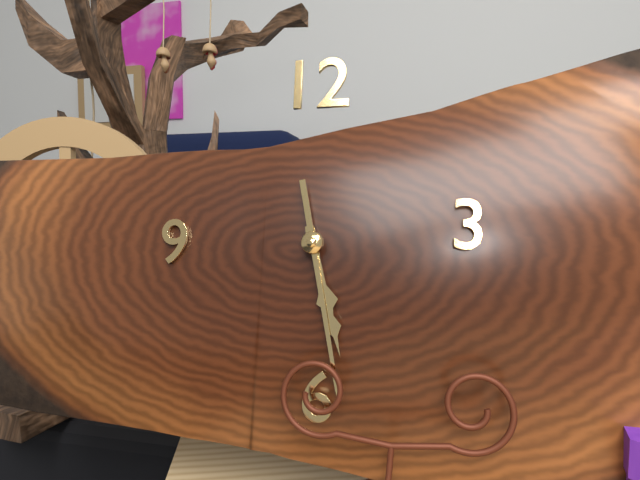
{"hour": 5, "minute": 28}
